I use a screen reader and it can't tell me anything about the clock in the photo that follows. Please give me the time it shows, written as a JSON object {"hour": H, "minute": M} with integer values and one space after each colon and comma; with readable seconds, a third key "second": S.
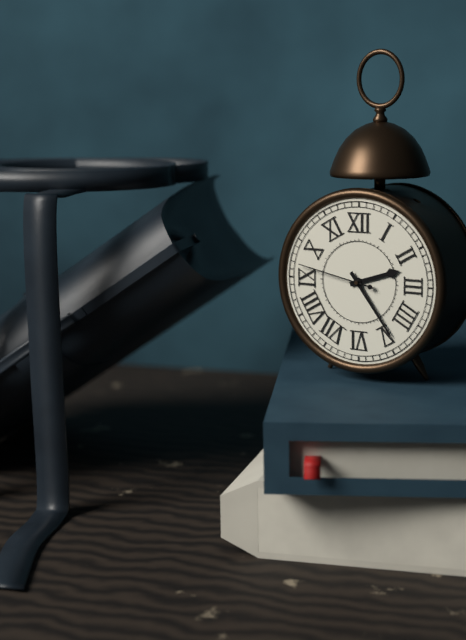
{"hour": 2, "minute": 24, "second": 47}
